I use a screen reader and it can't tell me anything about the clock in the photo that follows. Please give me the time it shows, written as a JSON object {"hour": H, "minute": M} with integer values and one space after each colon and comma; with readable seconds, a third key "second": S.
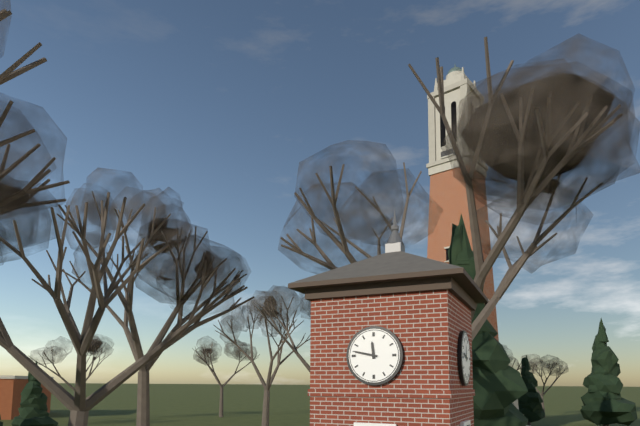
{"hour": 11, "minute": 47}
